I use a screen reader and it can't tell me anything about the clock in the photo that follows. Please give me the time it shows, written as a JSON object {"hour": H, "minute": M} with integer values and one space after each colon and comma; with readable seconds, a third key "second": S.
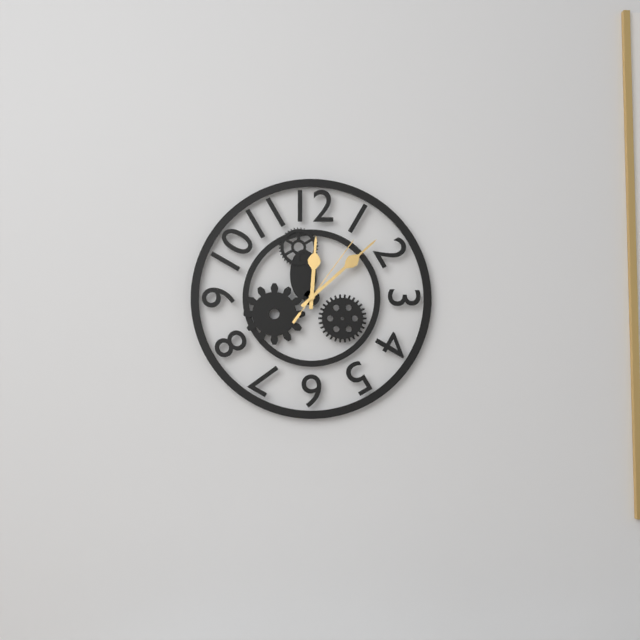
{"hour": 12, "minute": 8, "second": 6}
